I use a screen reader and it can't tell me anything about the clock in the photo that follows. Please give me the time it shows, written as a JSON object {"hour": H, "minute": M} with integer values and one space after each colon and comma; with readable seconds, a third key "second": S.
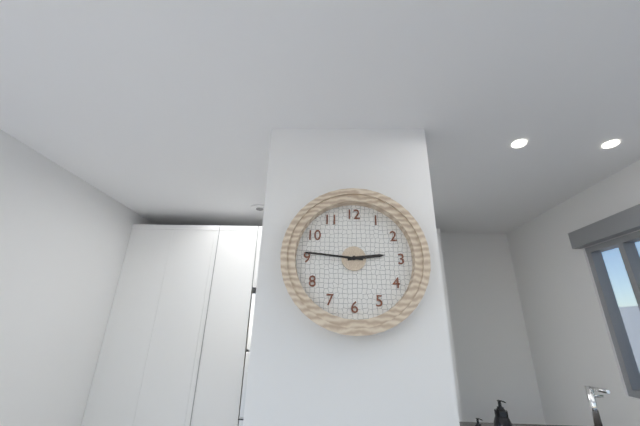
{"hour": 2, "minute": 46}
